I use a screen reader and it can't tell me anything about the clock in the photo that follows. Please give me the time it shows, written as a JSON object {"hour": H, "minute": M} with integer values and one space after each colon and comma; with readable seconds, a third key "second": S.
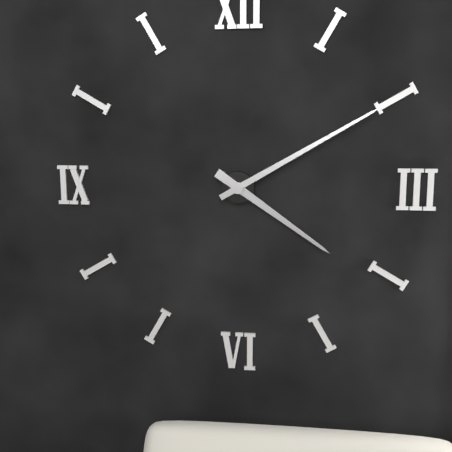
{"hour": 4, "minute": 10}
